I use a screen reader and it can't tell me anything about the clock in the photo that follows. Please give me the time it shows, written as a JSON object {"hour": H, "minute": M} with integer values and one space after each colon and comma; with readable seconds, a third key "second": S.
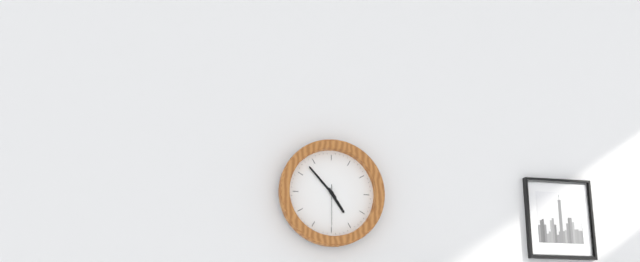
{"hour": 4, "minute": 53}
